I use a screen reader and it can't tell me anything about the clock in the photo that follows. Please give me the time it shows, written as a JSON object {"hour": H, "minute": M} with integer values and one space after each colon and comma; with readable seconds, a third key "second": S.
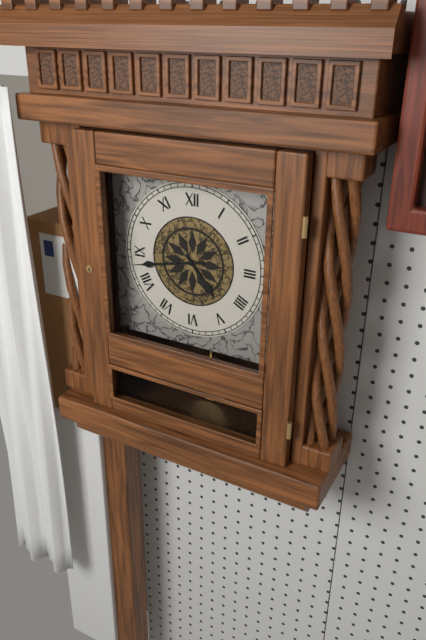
{"hour": 4, "minute": 43}
